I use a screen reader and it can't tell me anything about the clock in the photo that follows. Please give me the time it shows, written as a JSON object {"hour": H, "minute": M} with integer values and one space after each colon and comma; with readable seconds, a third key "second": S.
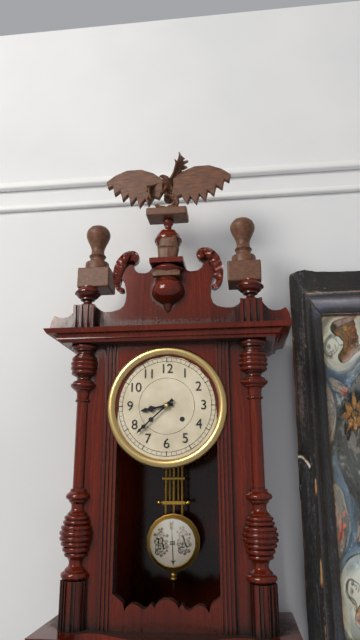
{"hour": 8, "minute": 38}
